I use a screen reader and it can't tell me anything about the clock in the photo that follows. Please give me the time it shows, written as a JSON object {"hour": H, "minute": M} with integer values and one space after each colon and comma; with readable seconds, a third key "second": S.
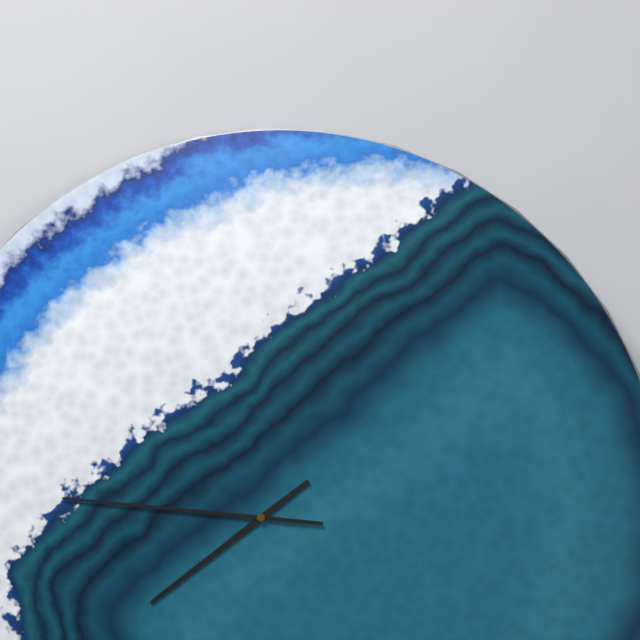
{"hour": 7, "minute": 46}
